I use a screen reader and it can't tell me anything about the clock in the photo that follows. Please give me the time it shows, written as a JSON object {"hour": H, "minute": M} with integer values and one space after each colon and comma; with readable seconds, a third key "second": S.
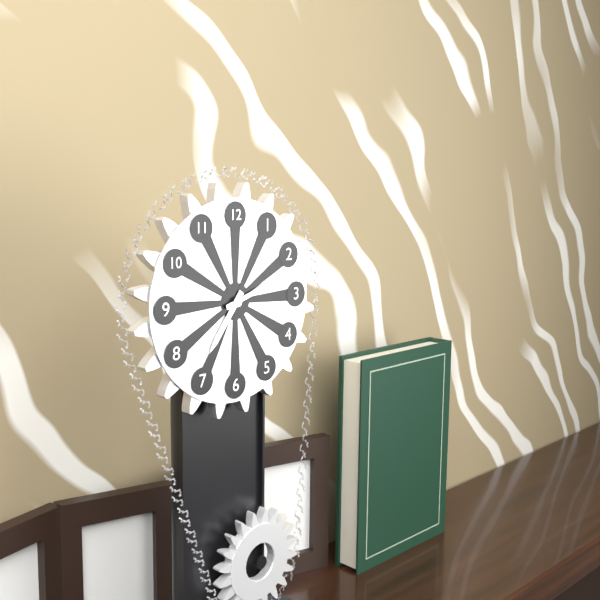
{"hour": 7, "minute": 12}
